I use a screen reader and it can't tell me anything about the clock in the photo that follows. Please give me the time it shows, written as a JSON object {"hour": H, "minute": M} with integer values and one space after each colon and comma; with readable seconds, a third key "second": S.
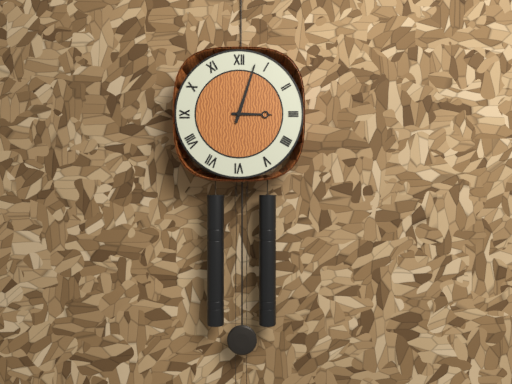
{"hour": 3, "minute": 3}
